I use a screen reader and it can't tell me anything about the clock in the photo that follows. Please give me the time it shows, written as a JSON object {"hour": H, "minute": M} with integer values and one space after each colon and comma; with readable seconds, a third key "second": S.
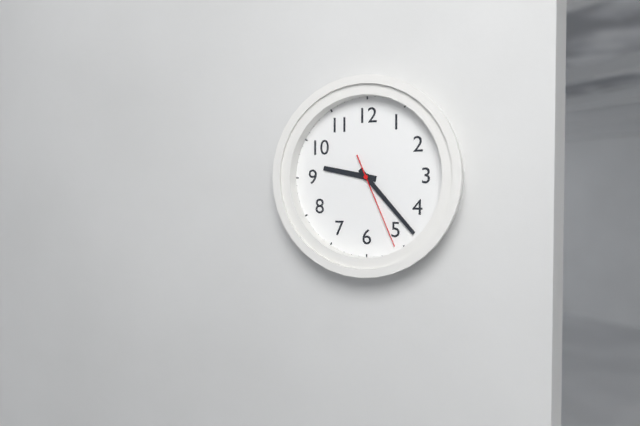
{"hour": 9, "minute": 23, "second": 26}
